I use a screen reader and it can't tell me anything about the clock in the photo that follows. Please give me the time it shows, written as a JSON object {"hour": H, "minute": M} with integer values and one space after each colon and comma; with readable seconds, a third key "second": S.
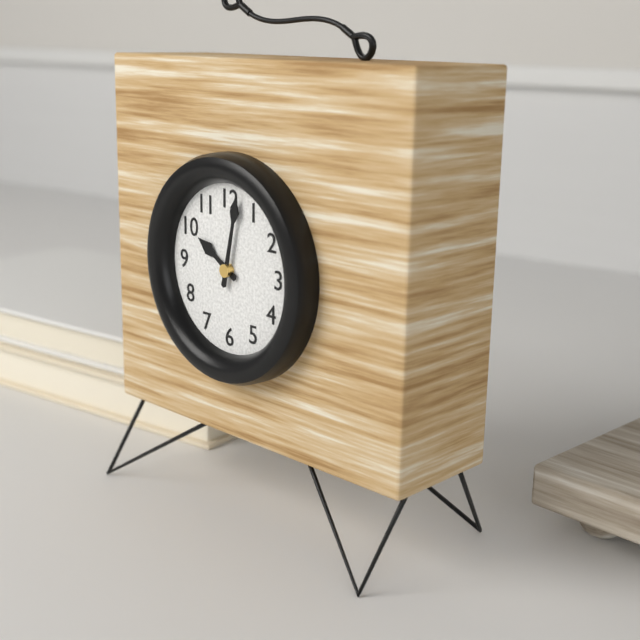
{"hour": 10, "minute": 2}
